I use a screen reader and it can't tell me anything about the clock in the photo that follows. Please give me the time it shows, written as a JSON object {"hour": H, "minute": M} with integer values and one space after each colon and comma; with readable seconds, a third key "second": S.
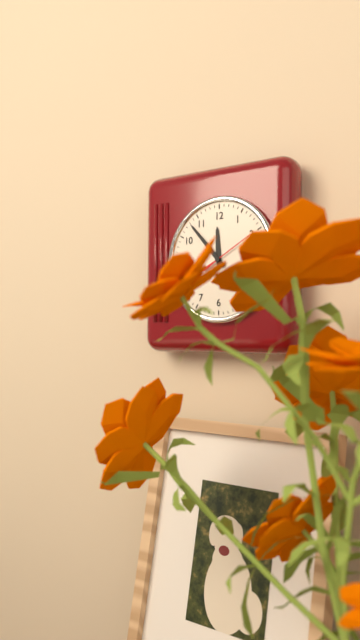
{"hour": 11, "minute": 53, "second": 10}
